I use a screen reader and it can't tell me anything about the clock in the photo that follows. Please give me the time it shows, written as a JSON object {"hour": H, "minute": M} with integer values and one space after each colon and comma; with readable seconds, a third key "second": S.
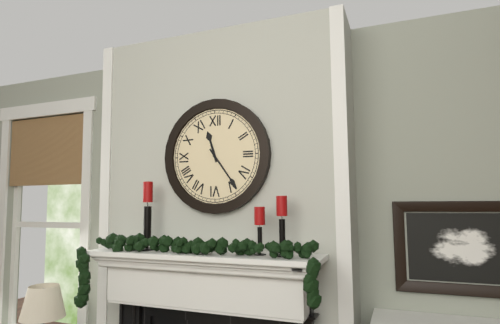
{"hour": 11, "minute": 24}
